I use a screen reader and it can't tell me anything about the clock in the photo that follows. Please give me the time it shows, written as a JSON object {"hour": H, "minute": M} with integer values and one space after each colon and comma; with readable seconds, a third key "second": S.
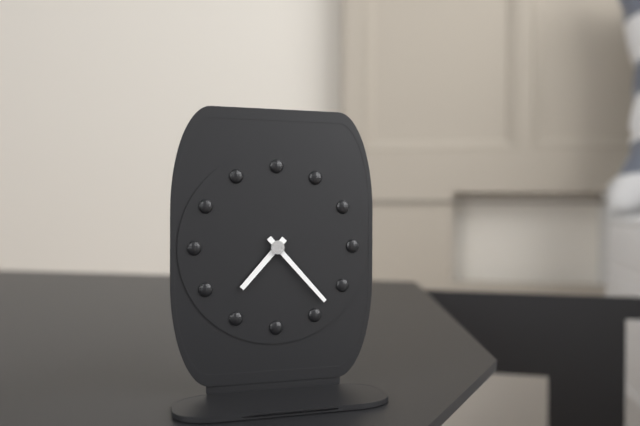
{"hour": 7, "minute": 23}
